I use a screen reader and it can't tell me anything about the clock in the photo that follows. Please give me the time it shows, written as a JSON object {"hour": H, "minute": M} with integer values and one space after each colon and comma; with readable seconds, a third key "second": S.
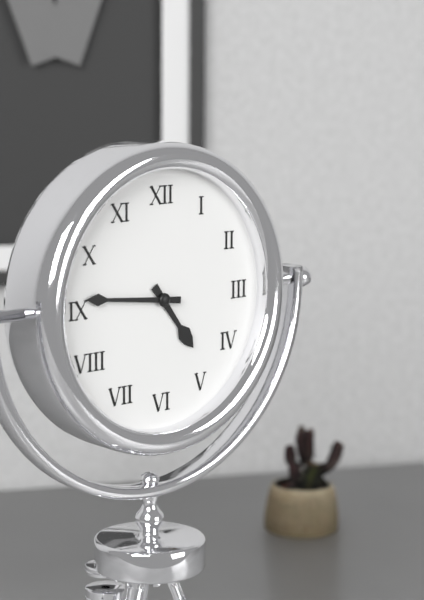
{"hour": 4, "minute": 46}
